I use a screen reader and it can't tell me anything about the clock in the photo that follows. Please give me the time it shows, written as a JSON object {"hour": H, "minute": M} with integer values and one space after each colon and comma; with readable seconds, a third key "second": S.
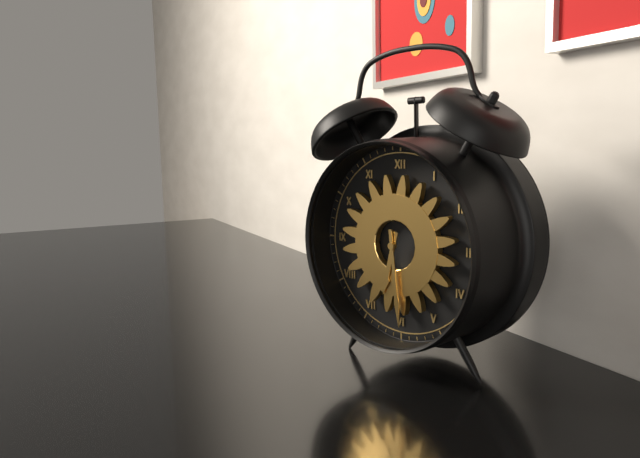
{"hour": 6, "minute": 29}
